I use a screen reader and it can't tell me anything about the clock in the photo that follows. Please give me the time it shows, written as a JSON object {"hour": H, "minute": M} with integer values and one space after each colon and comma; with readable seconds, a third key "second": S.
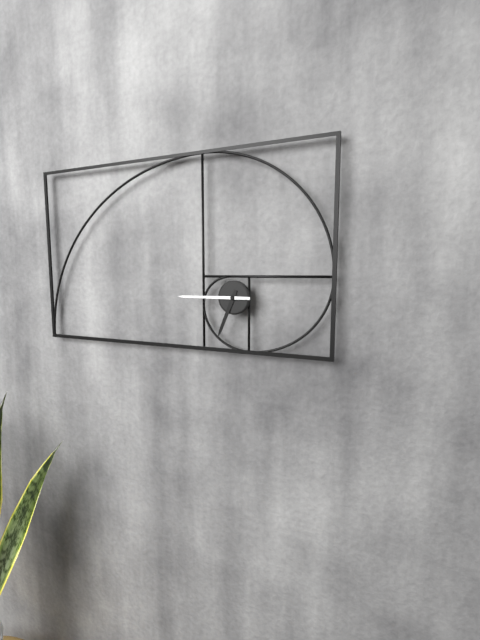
{"hour": 6, "minute": 45}
